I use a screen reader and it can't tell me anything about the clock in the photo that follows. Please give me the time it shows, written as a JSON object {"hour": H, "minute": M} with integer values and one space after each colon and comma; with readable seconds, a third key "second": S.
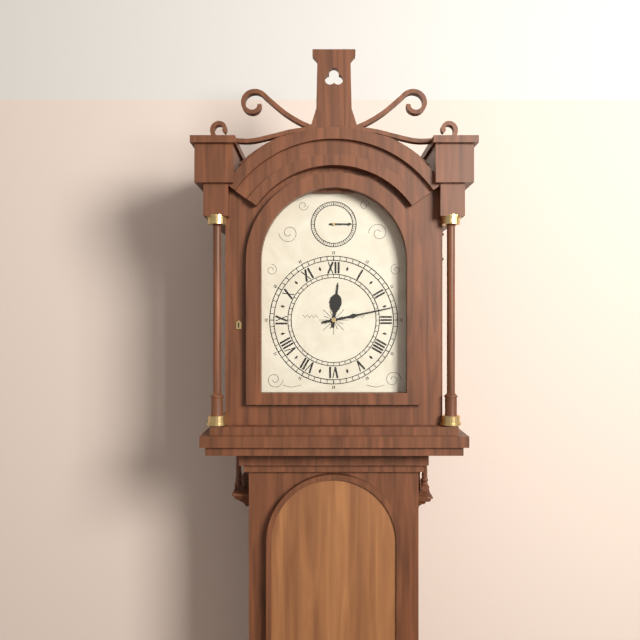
{"hour": 12, "minute": 13}
